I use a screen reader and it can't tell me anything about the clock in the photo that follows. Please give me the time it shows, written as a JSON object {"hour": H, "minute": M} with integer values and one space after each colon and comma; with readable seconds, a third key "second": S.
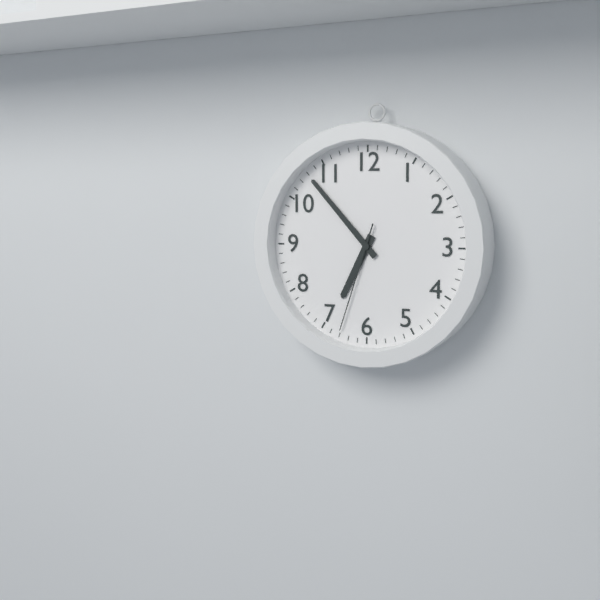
{"hour": 6, "minute": 53, "second": 33}
